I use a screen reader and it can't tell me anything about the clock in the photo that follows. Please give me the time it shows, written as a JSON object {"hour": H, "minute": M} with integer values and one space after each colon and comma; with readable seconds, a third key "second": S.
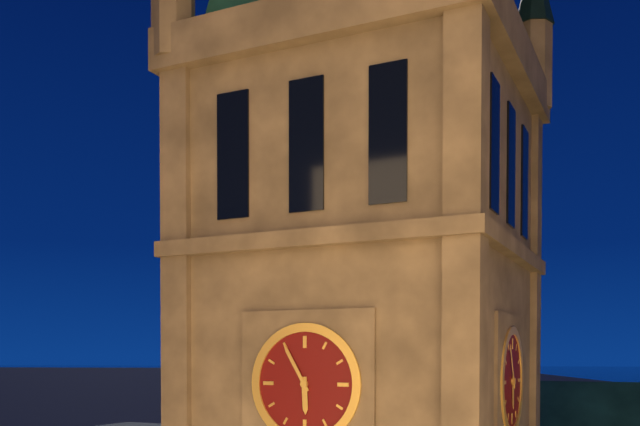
{"hour": 5, "minute": 55}
